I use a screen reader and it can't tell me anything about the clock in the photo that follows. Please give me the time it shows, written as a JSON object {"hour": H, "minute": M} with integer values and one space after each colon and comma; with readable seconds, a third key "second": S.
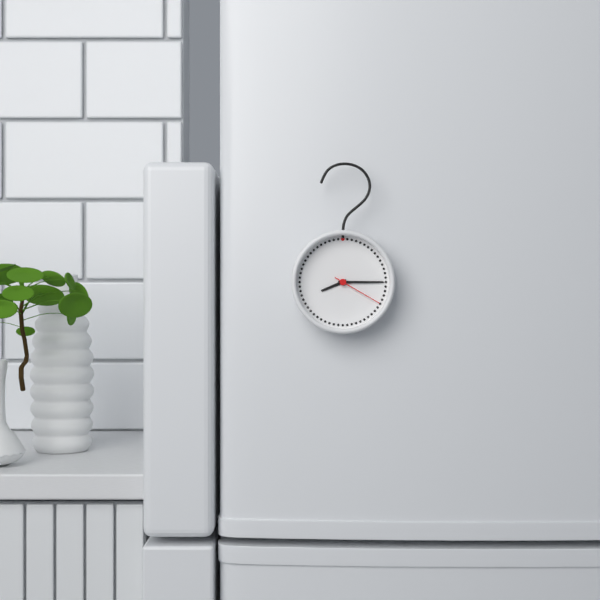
{"hour": 8, "minute": 15, "second": 20}
